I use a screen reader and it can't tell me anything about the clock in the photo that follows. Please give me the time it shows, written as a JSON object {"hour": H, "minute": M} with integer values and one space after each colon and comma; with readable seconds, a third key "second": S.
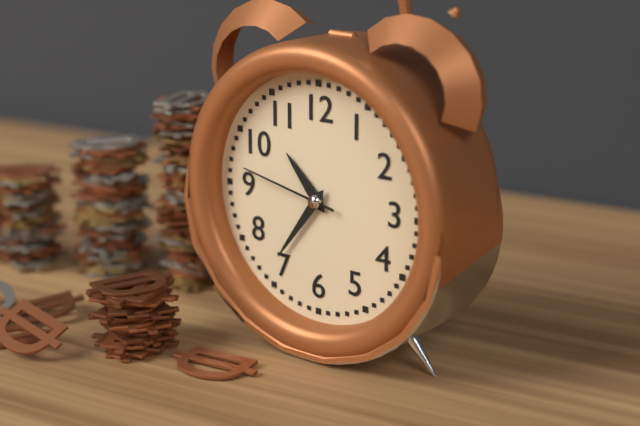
{"hour": 10, "minute": 36, "second": 47}
